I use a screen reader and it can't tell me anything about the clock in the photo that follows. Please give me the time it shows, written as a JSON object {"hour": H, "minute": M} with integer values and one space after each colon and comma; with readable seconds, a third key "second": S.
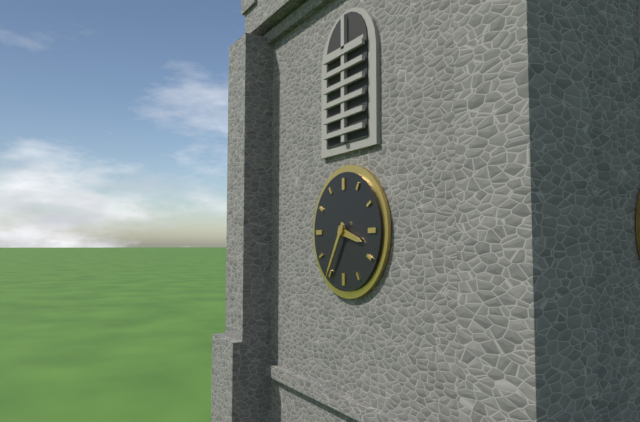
{"hour": 3, "minute": 35}
